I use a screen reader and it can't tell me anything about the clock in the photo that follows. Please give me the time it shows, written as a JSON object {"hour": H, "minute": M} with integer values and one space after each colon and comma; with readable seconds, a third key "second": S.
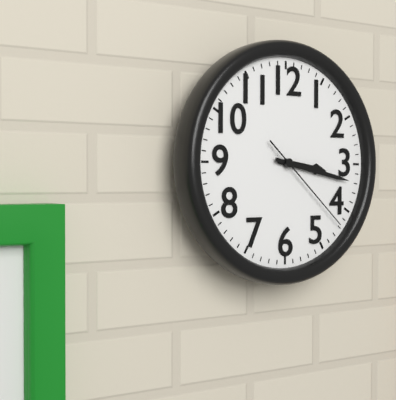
{"hour": 3, "minute": 17, "second": 22}
